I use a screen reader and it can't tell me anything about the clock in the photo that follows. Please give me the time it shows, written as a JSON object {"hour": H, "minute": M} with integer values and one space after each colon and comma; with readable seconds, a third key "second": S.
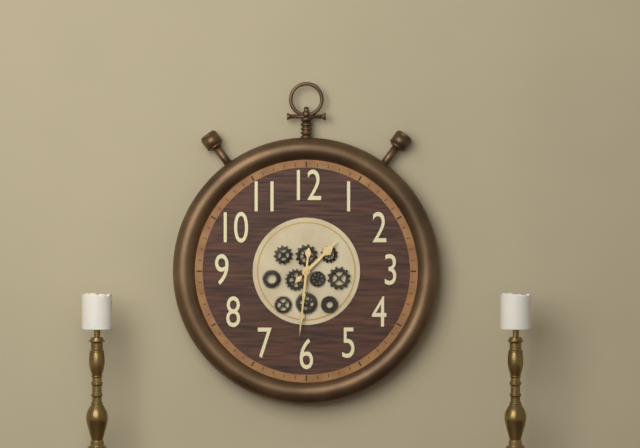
{"hour": 1, "minute": 31}
